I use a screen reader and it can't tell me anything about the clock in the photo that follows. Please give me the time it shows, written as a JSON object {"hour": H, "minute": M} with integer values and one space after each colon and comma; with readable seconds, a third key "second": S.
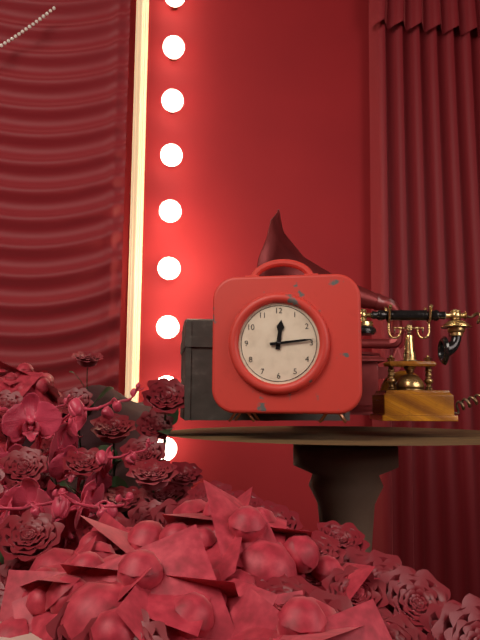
{"hour": 12, "minute": 14}
